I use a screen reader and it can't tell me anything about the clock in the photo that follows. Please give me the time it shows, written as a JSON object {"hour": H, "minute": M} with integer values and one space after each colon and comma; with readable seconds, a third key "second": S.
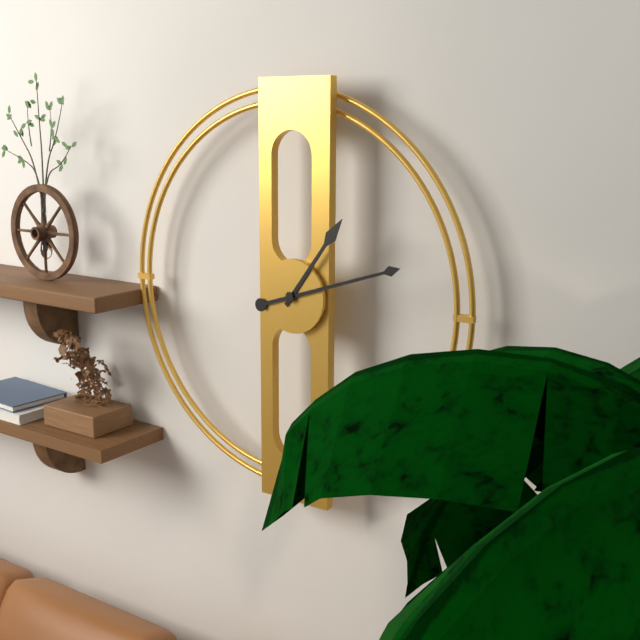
{"hour": 1, "minute": 12}
